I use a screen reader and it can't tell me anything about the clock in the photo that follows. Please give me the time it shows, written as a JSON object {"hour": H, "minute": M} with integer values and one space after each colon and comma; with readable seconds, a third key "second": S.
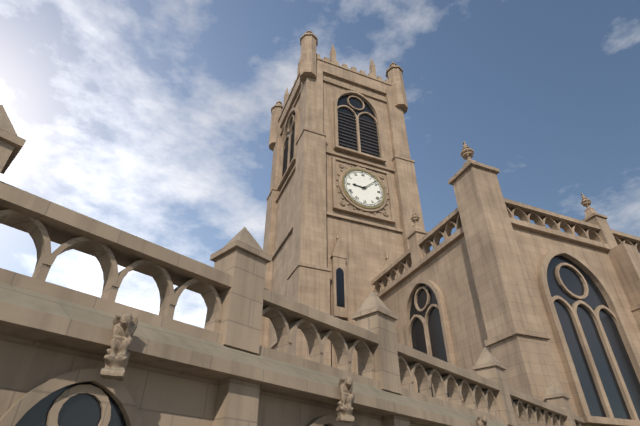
{"hour": 9, "minute": 8}
